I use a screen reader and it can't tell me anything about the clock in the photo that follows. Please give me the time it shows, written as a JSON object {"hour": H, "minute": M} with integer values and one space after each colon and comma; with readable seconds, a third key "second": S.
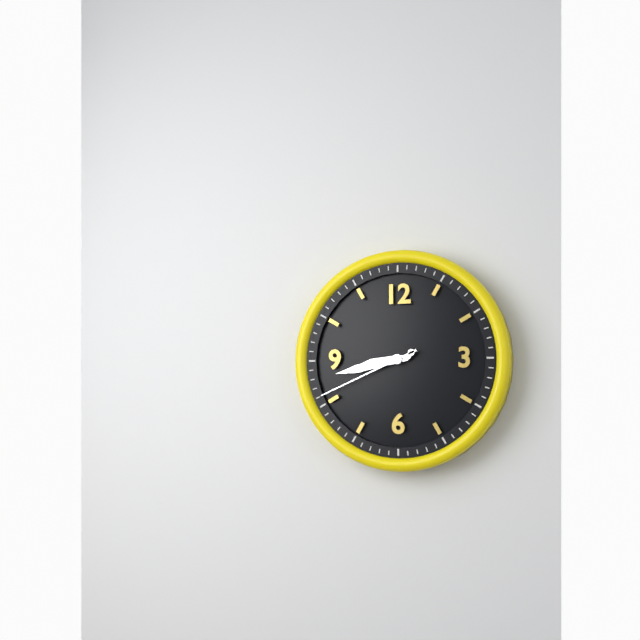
{"hour": 8, "minute": 43, "second": 41}
